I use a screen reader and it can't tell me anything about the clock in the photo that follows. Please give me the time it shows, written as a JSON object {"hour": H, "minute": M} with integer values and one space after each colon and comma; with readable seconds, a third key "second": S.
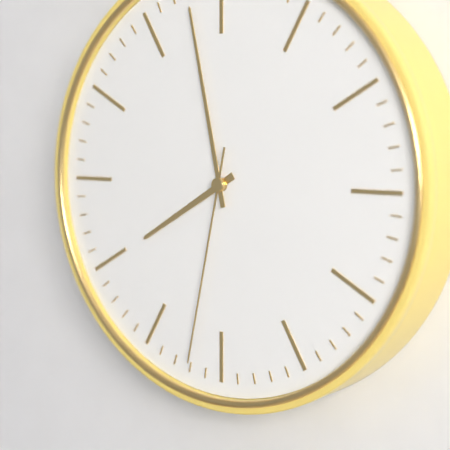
{"hour": 7, "minute": 58, "second": 32}
